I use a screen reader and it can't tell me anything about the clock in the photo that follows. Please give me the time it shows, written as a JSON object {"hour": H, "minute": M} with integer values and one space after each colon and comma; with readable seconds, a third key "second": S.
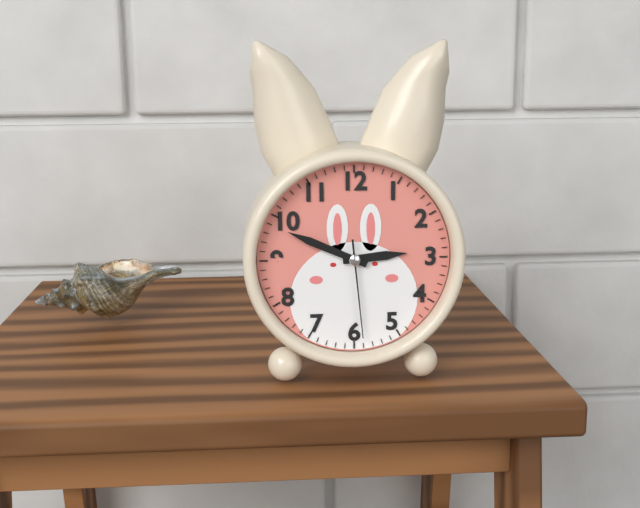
{"hour": 2, "minute": 49, "second": 29}
